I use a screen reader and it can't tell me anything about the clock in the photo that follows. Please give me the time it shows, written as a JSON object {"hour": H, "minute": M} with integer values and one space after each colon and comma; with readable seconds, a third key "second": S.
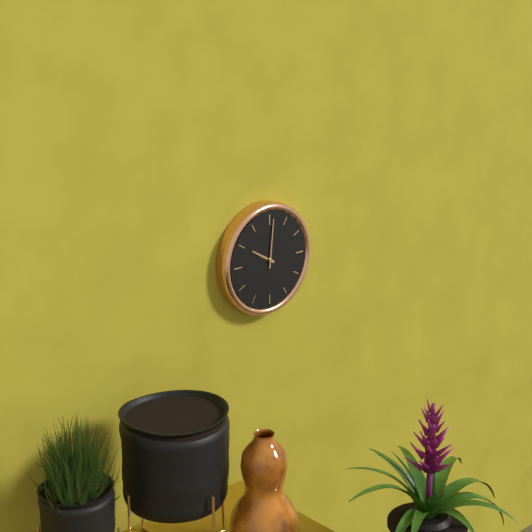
{"hour": 10, "minute": 1}
